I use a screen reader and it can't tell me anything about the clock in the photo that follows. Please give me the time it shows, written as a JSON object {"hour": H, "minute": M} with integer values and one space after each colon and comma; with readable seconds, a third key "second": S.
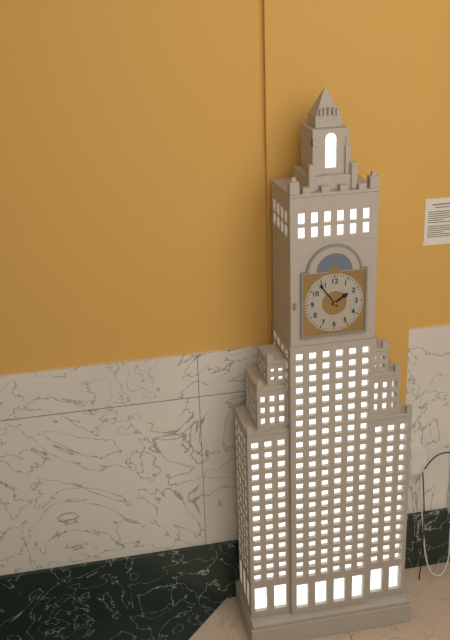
{"hour": 1, "minute": 54}
